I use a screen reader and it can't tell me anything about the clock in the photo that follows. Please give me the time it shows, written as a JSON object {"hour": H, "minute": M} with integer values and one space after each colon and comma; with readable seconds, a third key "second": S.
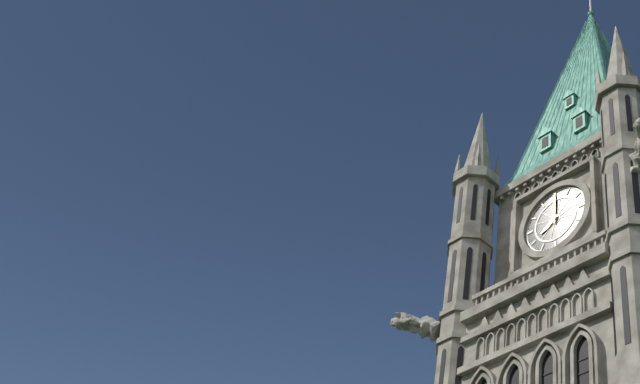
{"hour": 8, "minute": 0}
